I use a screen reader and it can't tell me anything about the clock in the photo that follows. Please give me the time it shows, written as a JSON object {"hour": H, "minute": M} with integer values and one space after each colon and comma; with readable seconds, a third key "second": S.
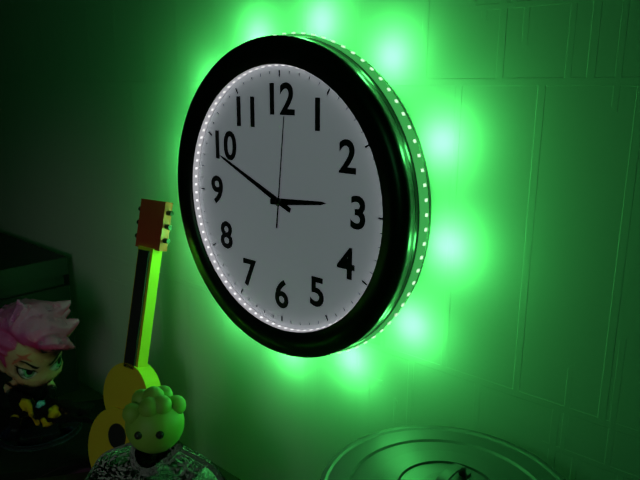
{"hour": 2, "minute": 49, "second": 1}
